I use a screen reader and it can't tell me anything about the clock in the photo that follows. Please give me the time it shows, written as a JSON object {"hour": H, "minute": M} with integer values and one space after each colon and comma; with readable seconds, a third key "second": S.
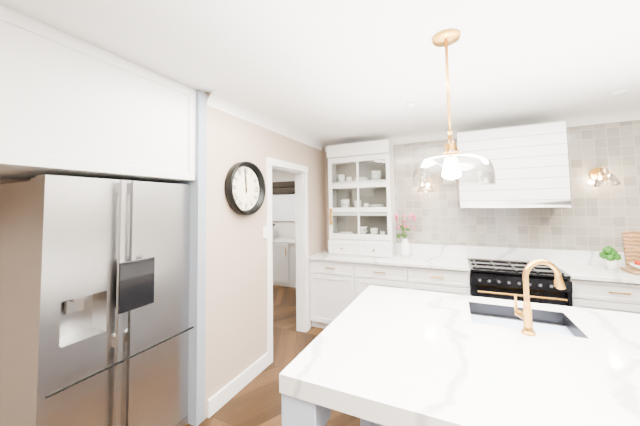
{"hour": 11, "minute": 59}
